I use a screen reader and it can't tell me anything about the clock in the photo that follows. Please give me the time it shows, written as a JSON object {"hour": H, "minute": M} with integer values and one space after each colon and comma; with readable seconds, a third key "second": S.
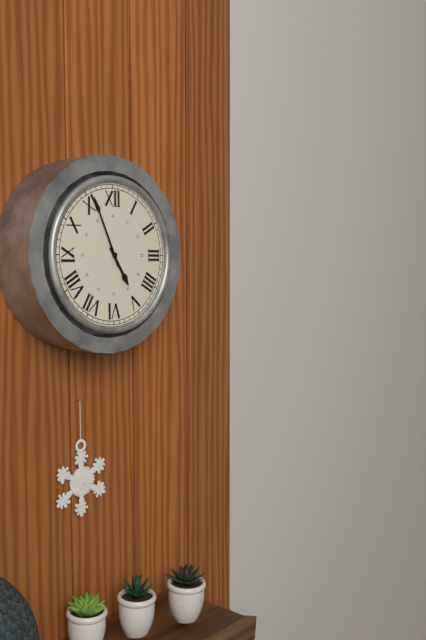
{"hour": 4, "minute": 56}
